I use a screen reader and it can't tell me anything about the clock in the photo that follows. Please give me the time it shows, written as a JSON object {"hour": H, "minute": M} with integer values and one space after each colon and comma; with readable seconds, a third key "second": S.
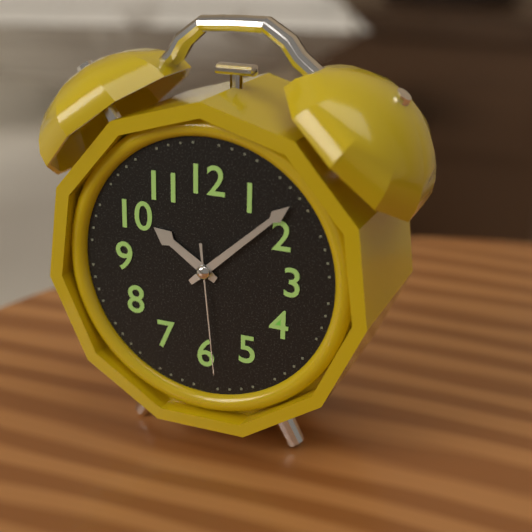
{"hour": 10, "minute": 8, "second": 29}
